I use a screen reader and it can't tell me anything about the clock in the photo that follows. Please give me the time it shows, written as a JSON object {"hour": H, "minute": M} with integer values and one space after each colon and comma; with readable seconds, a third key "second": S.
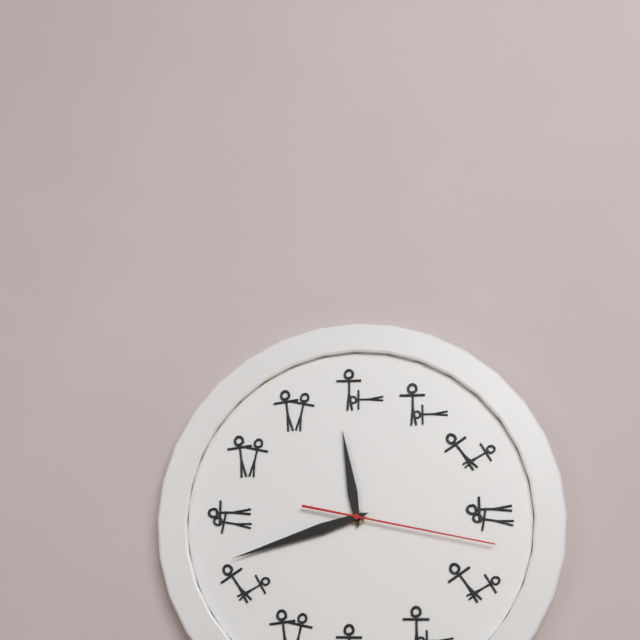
{"hour": 11, "minute": 42, "second": 17}
